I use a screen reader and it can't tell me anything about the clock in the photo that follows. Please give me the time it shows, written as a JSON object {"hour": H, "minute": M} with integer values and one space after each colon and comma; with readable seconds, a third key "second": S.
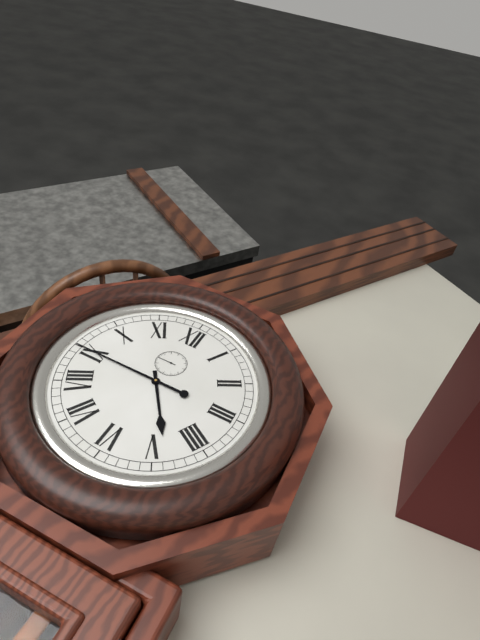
{"hour": 4, "minute": 45}
